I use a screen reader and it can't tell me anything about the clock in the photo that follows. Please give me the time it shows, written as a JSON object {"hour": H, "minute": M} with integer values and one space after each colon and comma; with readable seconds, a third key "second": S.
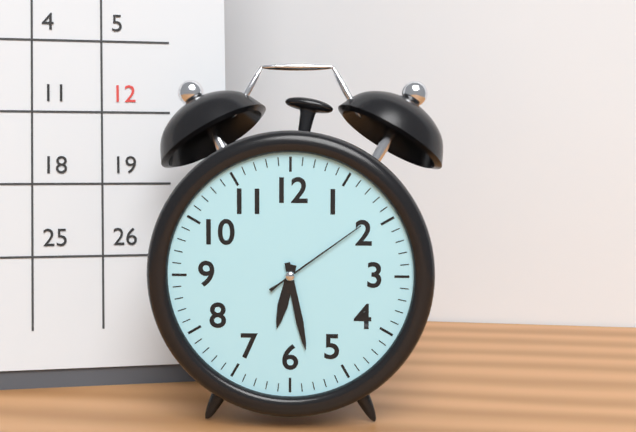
{"hour": 6, "minute": 28, "second": 9}
